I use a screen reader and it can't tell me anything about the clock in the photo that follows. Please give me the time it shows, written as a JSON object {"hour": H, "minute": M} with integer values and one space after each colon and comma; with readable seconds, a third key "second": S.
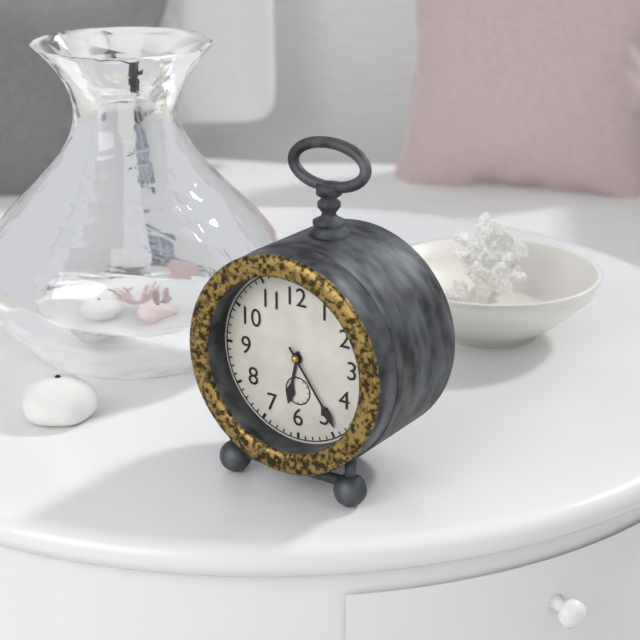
{"hour": 6, "minute": 24}
